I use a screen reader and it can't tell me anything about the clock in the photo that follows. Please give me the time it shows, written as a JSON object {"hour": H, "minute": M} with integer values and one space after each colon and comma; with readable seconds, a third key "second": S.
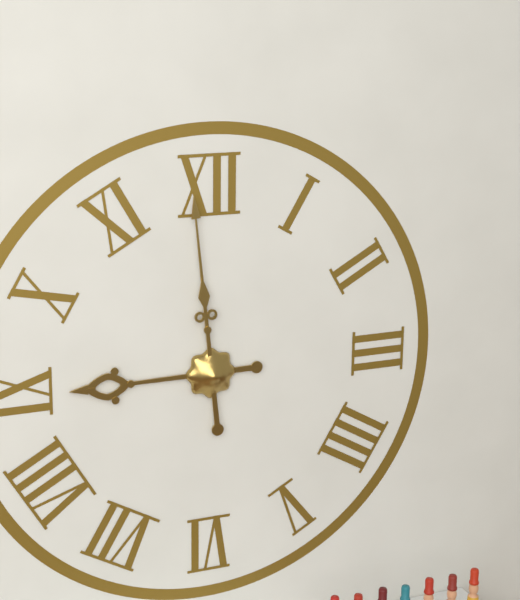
{"hour": 8, "minute": 59}
